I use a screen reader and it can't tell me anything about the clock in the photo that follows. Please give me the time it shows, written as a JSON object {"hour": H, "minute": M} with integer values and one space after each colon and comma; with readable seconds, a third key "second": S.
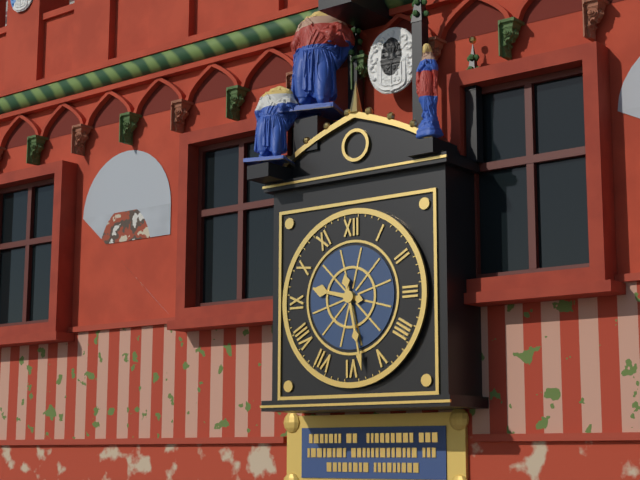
{"hour": 9, "minute": 28}
